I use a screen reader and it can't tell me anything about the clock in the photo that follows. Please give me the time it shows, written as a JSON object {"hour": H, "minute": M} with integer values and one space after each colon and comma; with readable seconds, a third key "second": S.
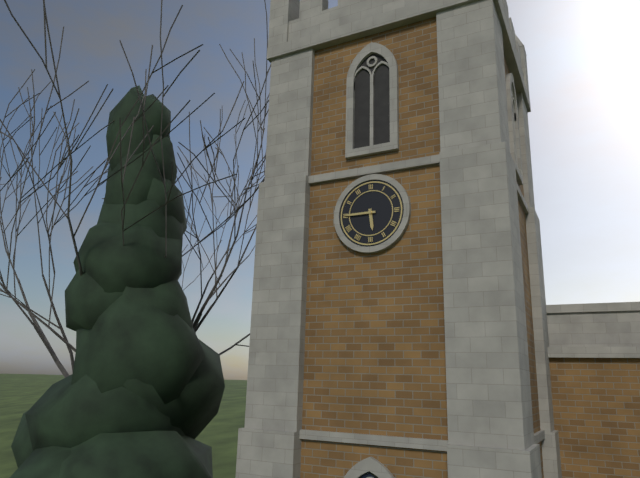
{"hour": 5, "minute": 45}
